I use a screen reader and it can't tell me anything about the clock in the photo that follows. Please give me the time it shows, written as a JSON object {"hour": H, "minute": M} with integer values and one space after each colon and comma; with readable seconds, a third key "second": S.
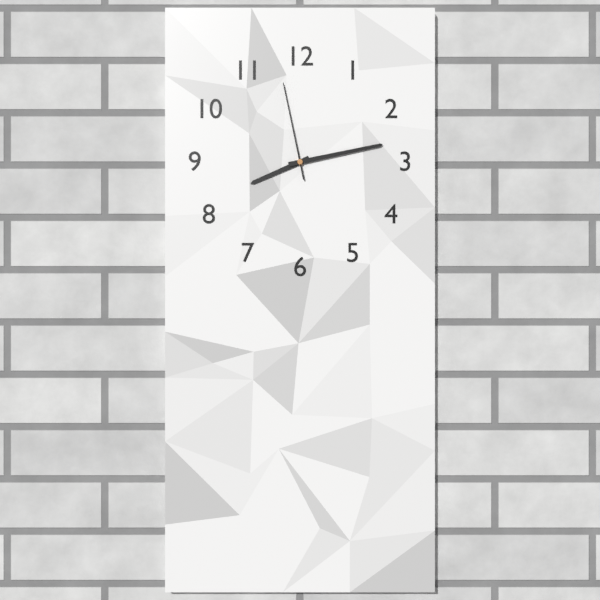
{"hour": 8, "minute": 13, "second": 58}
